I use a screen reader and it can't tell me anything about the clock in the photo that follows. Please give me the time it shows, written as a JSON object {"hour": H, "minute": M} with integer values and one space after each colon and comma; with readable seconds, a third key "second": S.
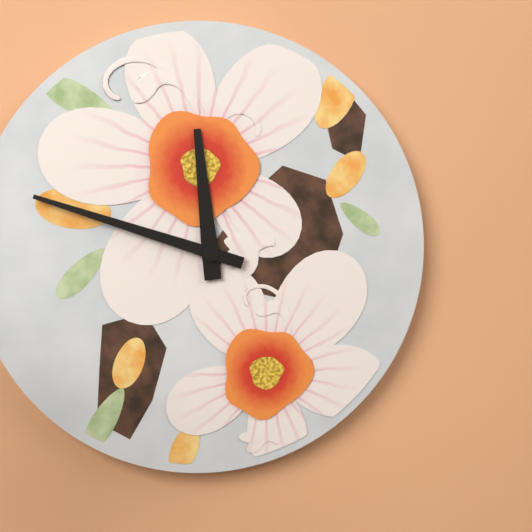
{"hour": 11, "minute": 48}
